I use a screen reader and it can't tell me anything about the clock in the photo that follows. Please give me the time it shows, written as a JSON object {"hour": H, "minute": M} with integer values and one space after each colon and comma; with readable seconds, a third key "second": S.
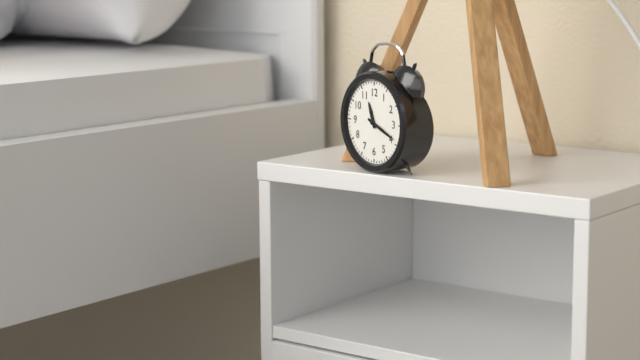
{"hour": 11, "minute": 19}
